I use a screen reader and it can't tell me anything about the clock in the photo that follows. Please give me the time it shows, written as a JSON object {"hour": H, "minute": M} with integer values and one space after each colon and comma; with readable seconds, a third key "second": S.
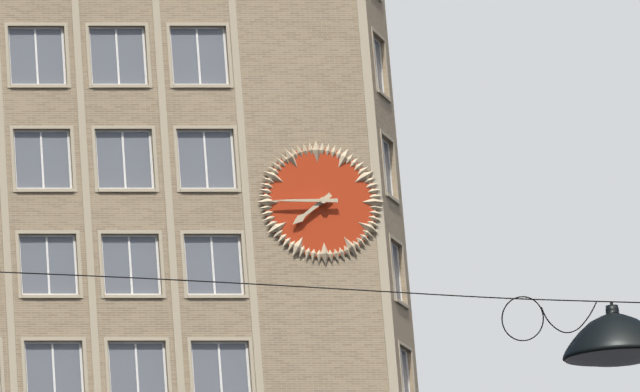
{"hour": 7, "minute": 45}
